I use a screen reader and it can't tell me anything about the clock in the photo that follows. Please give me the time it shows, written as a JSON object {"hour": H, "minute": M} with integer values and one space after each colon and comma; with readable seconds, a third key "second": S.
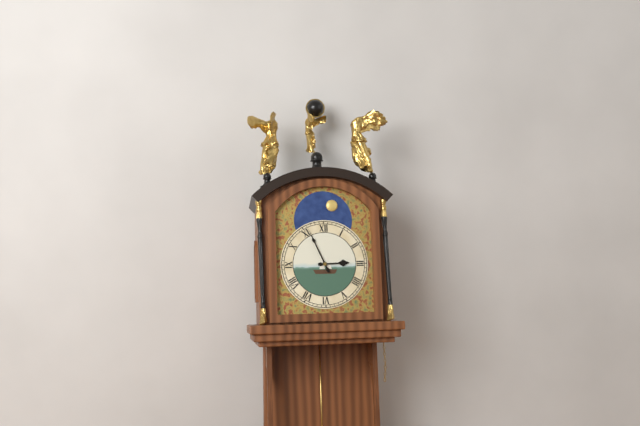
{"hour": 2, "minute": 56}
